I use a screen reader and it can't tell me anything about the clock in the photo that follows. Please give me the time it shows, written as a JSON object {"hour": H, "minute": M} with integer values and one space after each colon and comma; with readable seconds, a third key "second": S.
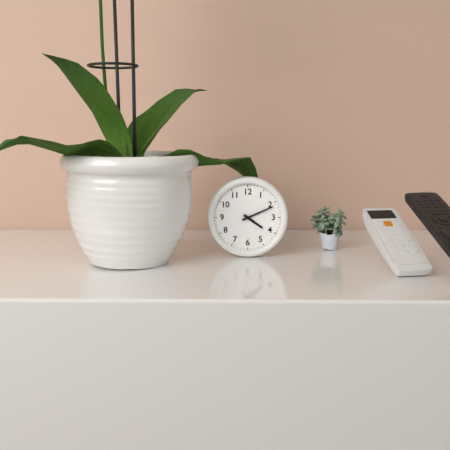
{"hour": 4, "minute": 11}
